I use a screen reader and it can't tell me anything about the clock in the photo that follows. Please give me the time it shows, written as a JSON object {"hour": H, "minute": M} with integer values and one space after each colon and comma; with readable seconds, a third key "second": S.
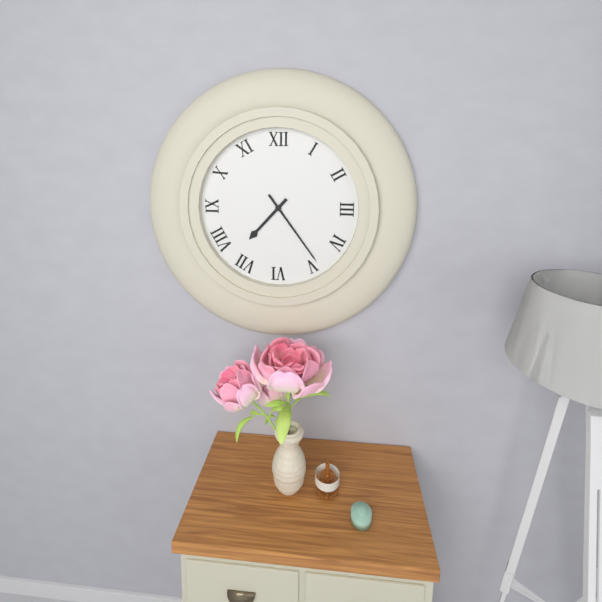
{"hour": 7, "minute": 24}
